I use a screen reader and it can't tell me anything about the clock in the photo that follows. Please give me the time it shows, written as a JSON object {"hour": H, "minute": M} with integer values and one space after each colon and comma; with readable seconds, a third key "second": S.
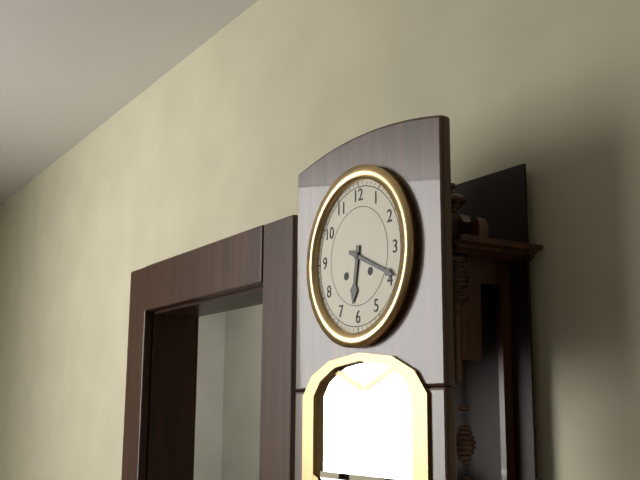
{"hour": 6, "minute": 19}
